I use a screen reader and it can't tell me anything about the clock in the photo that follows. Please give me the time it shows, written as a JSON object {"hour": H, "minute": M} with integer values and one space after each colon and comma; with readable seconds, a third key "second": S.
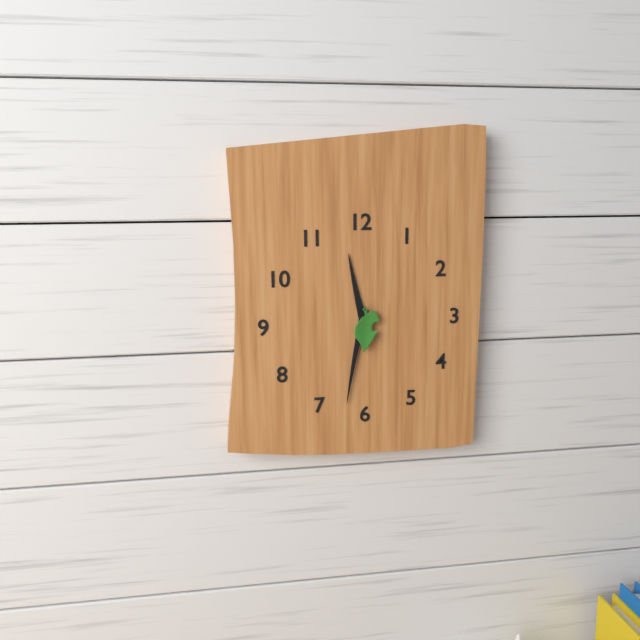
{"hour": 11, "minute": 32}
